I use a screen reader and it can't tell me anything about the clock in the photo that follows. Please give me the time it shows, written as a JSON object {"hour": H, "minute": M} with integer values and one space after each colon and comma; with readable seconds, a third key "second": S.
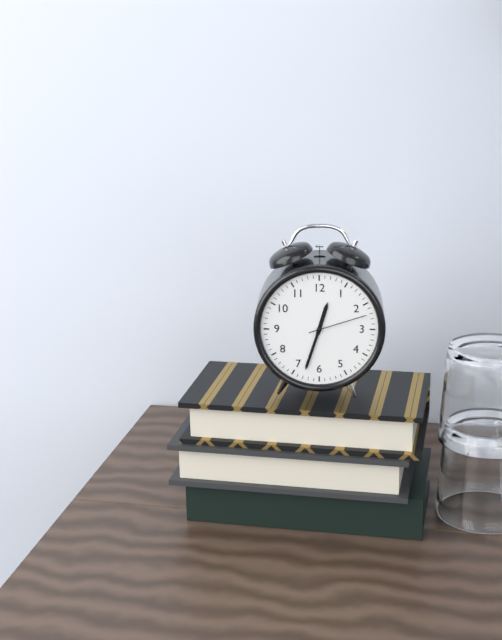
{"hour": 12, "minute": 33, "second": 12}
